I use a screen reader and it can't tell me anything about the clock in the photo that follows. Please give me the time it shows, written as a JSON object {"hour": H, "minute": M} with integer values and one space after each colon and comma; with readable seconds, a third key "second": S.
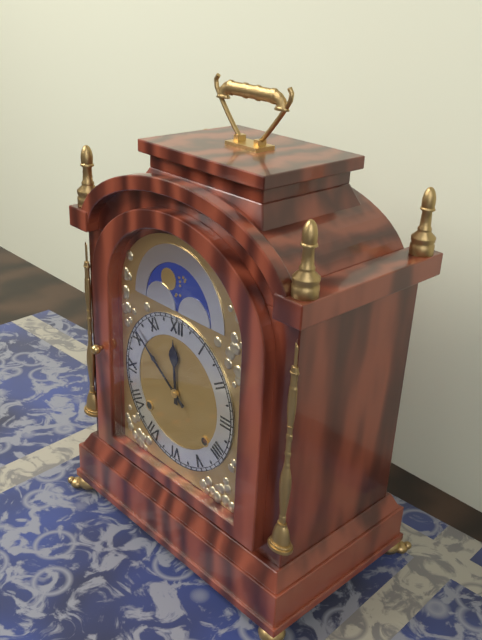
{"hour": 11, "minute": 51}
